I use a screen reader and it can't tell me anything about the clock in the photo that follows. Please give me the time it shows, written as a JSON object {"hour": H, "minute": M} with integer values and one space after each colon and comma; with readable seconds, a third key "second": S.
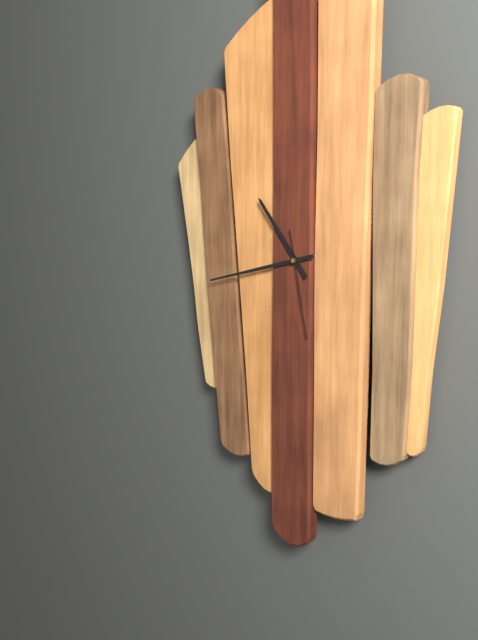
{"hour": 10, "minute": 43, "second": 28}
